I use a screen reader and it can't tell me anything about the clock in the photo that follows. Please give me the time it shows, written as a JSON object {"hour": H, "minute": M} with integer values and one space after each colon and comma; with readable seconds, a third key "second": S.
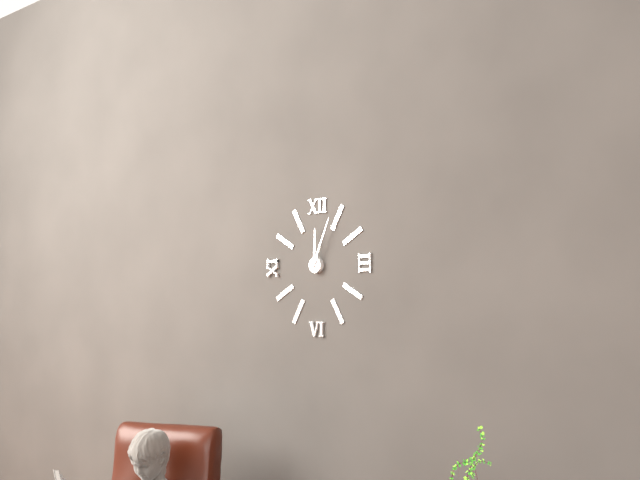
{"hour": 12, "minute": 4}
